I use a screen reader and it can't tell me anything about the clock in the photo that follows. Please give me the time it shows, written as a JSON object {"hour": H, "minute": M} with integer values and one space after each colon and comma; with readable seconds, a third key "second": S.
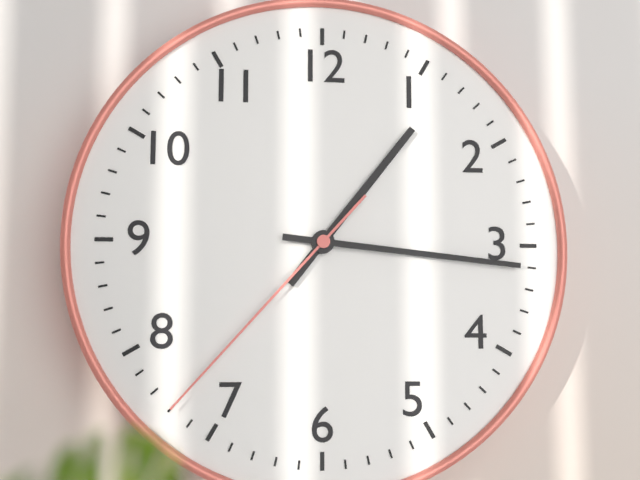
{"hour": 1, "minute": 16, "second": 37}
